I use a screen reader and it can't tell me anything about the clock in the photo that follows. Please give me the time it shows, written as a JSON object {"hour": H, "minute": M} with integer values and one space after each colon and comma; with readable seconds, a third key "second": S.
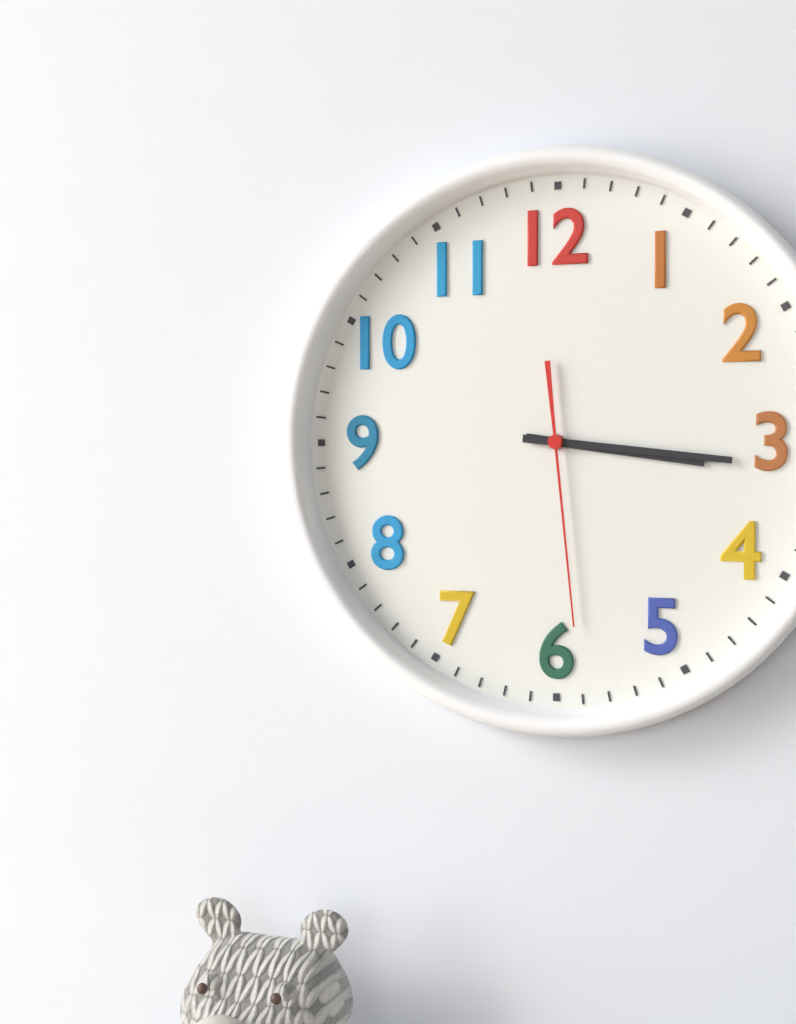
{"hour": 3, "minute": 16, "second": 29}
